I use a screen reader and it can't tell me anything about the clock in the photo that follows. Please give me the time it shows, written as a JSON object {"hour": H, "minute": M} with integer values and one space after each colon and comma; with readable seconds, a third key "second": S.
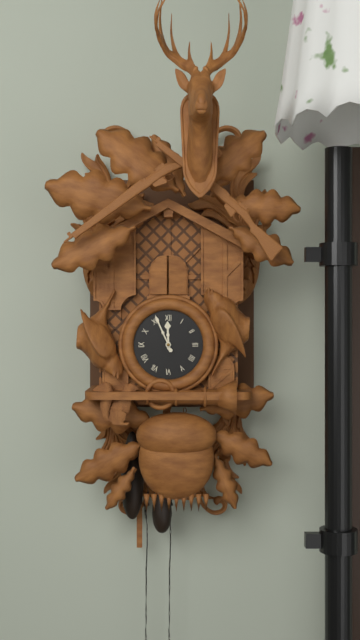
{"hour": 11, "minute": 56}
